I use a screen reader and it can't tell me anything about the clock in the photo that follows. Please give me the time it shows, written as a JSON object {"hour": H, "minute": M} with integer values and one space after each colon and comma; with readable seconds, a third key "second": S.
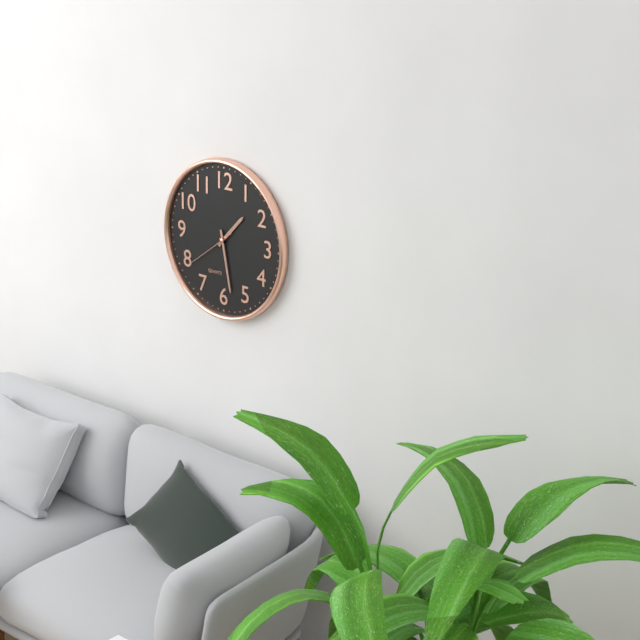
{"hour": 1, "minute": 28, "second": 39}
